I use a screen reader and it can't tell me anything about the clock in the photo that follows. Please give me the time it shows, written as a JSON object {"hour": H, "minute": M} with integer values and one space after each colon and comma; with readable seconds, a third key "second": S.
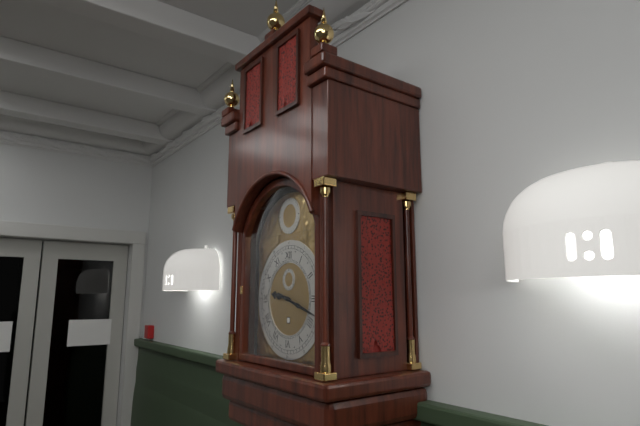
{"hour": 9, "minute": 18}
